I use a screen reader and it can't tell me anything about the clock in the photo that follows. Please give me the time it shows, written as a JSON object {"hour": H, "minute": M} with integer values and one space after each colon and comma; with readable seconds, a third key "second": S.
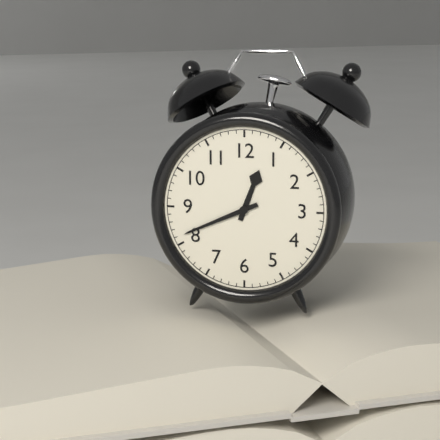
{"hour": 12, "minute": 41}
